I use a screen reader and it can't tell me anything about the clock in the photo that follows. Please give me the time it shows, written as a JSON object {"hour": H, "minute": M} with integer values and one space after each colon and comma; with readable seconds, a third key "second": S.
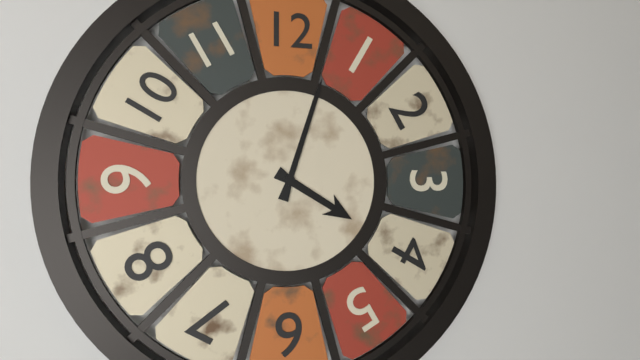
{"hour": 4, "minute": 3}
